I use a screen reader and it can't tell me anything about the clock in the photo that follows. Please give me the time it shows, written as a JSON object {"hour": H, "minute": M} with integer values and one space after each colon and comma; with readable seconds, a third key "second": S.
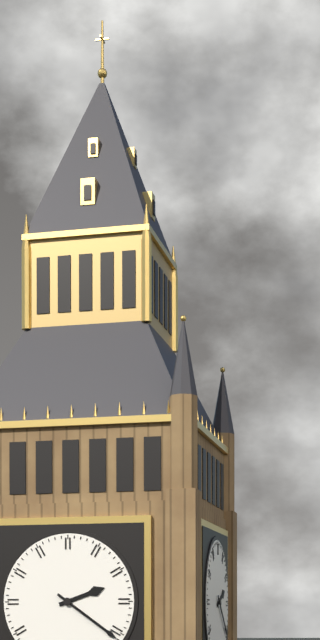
{"hour": 2, "minute": 21}
